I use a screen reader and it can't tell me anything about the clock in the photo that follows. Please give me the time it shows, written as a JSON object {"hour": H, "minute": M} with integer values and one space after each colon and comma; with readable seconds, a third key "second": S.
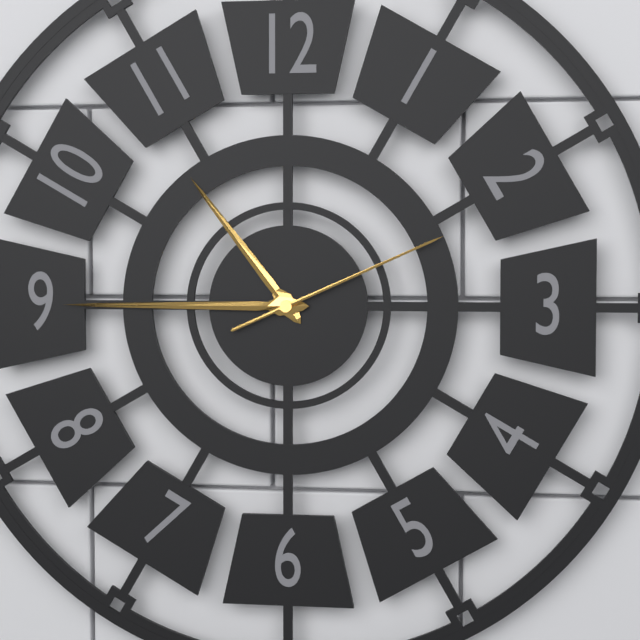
{"hour": 10, "minute": 45, "second": 11}
